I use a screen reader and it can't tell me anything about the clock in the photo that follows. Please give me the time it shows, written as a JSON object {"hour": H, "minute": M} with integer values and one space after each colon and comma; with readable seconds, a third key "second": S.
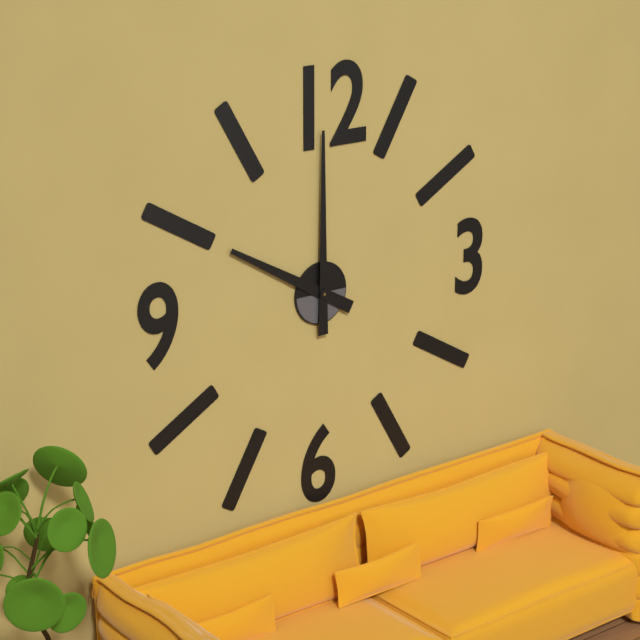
{"hour": 10, "minute": 0}
